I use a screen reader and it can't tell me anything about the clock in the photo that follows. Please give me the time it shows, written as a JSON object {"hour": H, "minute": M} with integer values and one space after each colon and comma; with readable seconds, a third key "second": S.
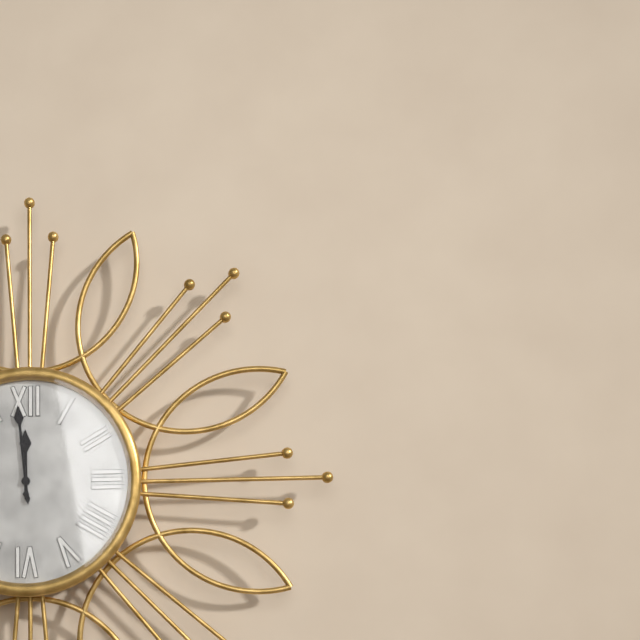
{"hour": 11, "minute": 59}
